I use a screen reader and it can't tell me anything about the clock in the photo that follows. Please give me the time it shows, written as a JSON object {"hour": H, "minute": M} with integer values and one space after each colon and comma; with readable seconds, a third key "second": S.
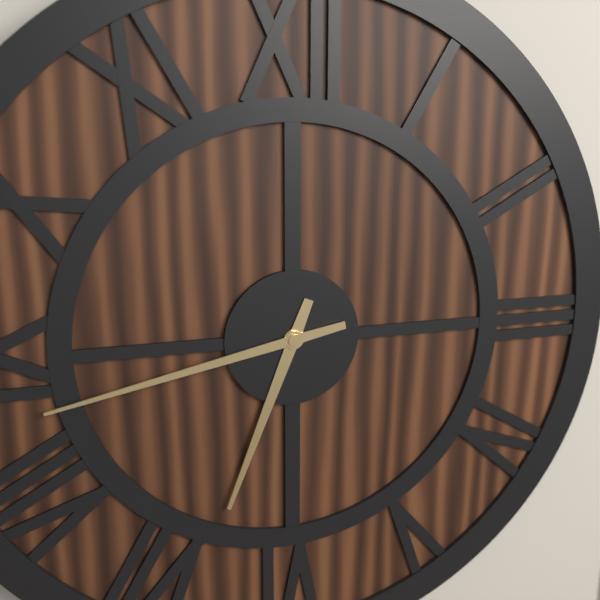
{"hour": 6, "minute": 43}
